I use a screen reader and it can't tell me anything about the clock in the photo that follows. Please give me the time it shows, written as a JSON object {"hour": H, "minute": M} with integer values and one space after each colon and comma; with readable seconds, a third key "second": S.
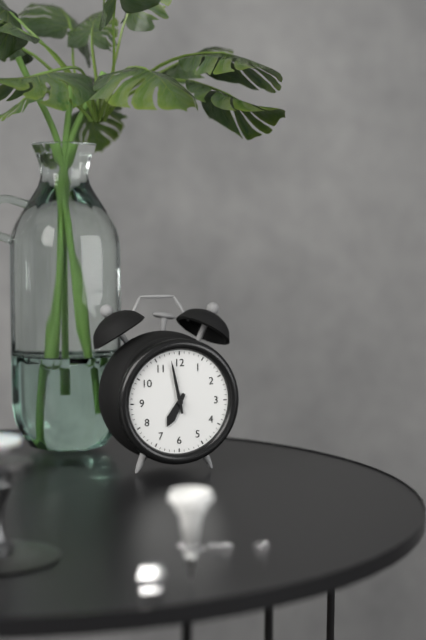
{"hour": 6, "minute": 58}
